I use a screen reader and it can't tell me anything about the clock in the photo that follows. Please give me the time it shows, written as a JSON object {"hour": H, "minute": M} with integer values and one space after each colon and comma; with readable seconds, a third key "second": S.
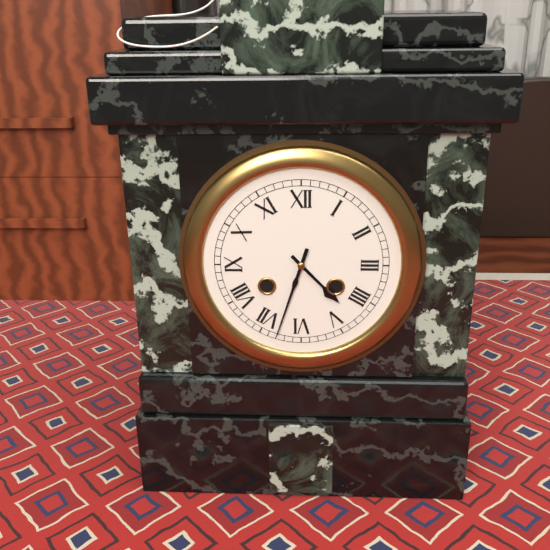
{"hour": 4, "minute": 33}
